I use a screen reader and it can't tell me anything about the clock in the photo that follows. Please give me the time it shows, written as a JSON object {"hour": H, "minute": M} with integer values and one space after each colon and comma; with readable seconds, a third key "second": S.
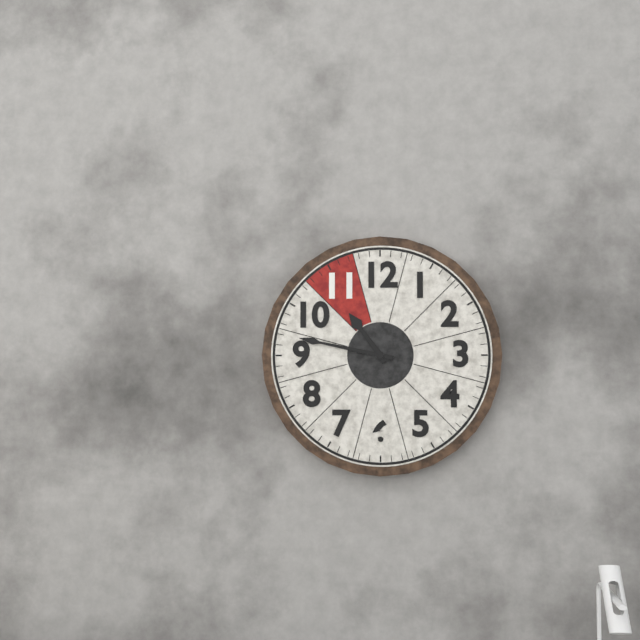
{"hour": 10, "minute": 47}
